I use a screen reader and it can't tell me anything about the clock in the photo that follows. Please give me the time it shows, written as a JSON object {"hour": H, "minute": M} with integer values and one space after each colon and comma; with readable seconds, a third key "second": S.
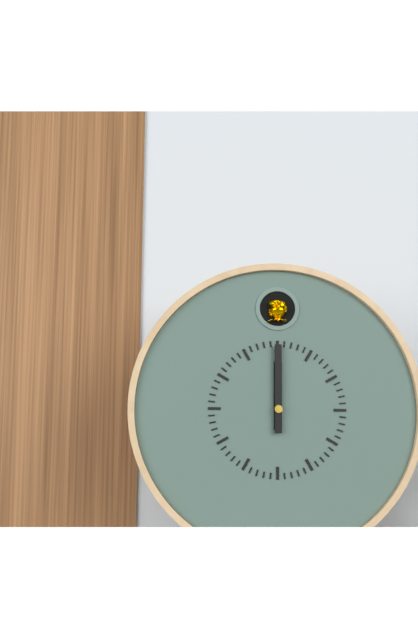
{"hour": 12, "minute": 0}
